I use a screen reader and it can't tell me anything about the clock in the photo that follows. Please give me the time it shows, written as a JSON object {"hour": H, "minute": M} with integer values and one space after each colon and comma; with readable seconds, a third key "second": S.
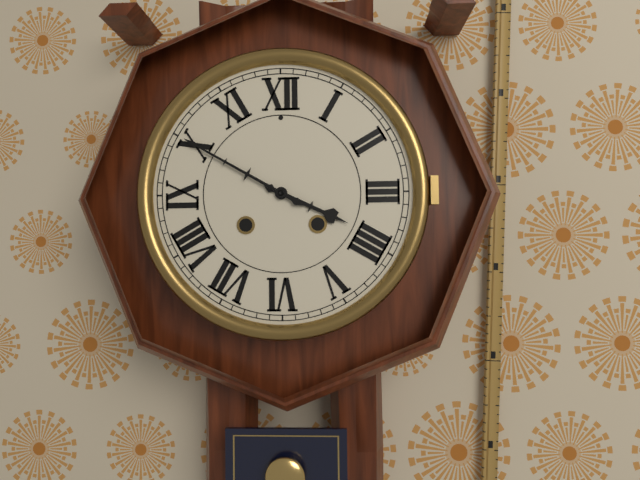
{"hour": 3, "minute": 50}
